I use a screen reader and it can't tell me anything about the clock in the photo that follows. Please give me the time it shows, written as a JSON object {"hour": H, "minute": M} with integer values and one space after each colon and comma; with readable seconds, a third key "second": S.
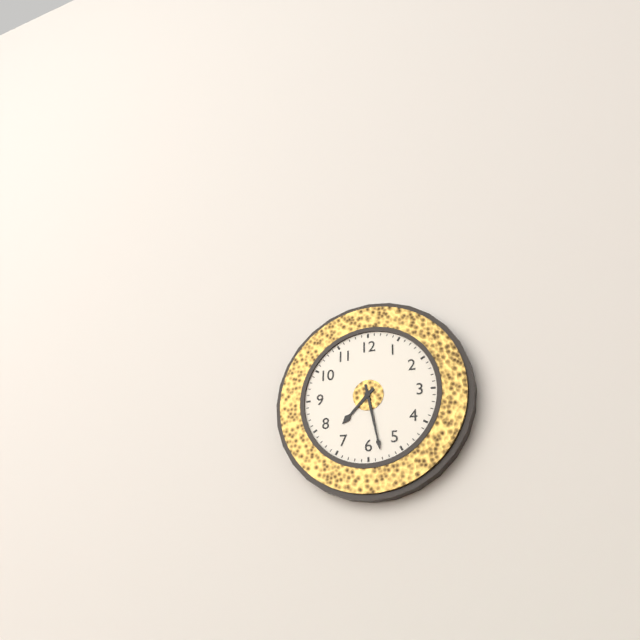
{"hour": 7, "minute": 28}
